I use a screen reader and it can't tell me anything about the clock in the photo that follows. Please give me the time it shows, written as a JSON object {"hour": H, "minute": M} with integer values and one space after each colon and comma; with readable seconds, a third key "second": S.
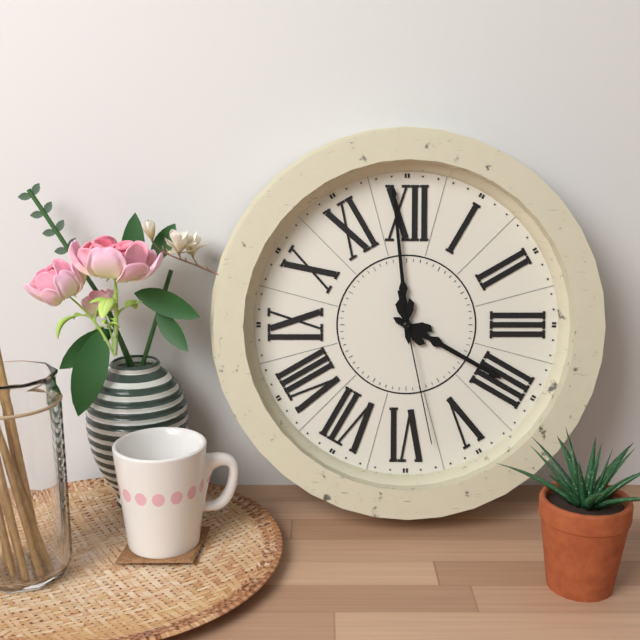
{"hour": 3, "minute": 59, "second": 28}
